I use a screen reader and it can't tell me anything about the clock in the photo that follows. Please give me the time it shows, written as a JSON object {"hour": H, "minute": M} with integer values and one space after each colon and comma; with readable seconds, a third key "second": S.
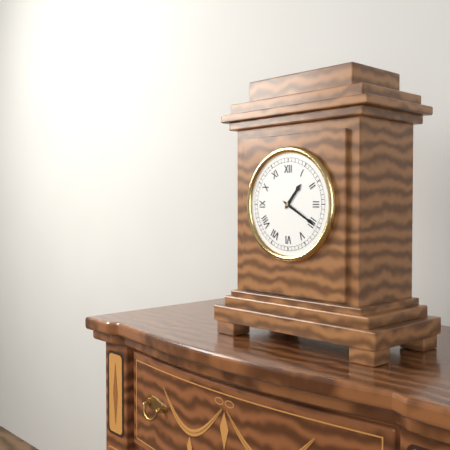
{"hour": 1, "minute": 20}
